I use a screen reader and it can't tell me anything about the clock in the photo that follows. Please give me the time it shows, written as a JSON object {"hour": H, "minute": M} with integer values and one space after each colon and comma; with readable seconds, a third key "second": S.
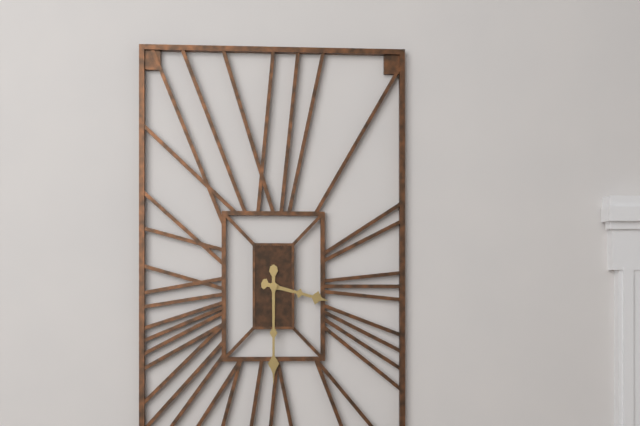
{"hour": 3, "minute": 30}
